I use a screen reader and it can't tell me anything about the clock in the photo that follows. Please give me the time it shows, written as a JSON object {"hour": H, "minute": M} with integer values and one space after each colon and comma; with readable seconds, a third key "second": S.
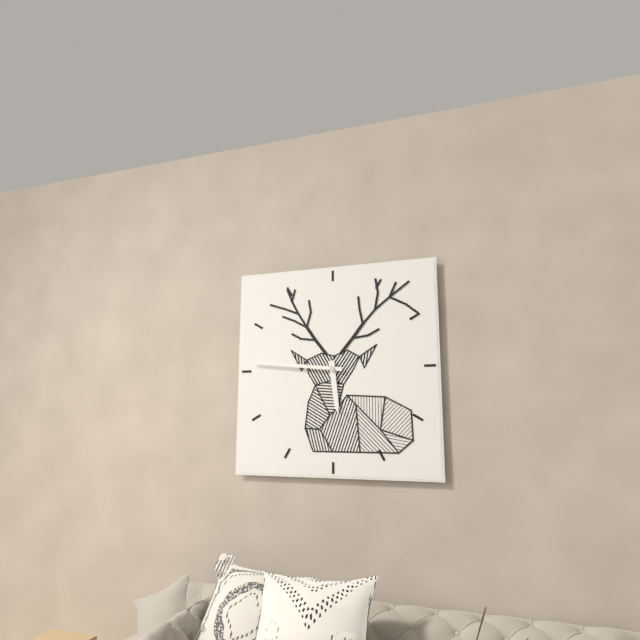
{"hour": 5, "minute": 46}
